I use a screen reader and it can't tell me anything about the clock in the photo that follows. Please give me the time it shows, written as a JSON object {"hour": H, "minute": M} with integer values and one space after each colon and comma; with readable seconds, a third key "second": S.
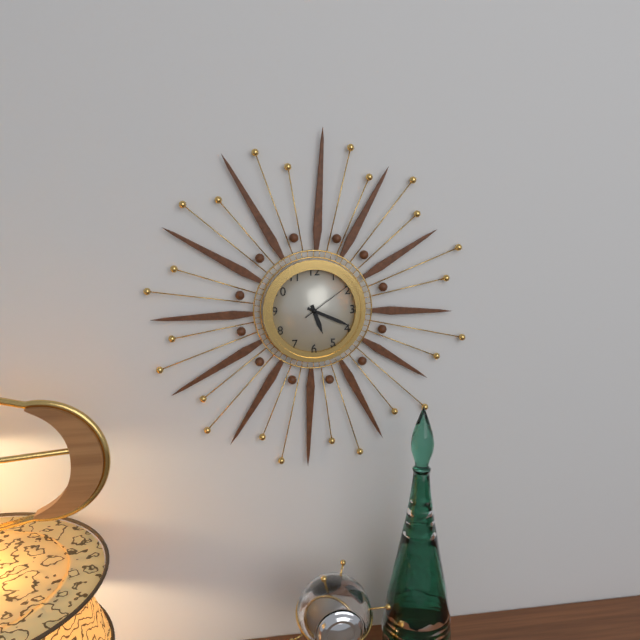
{"hour": 5, "minute": 19, "second": 9}
